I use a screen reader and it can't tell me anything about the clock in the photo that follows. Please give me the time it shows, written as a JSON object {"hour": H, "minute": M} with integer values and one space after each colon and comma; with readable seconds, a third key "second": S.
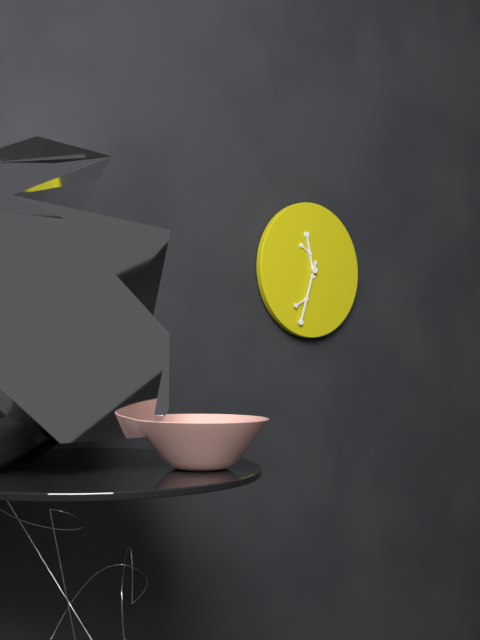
{"hour": 11, "minute": 33}
